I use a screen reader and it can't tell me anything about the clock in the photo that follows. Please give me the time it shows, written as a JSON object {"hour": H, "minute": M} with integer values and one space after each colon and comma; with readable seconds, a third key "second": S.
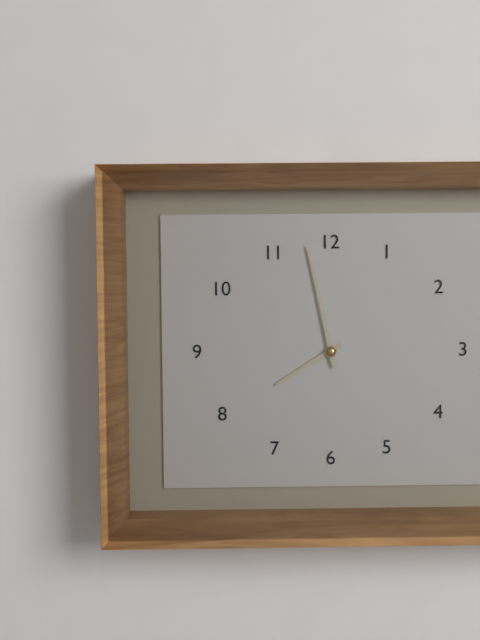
{"hour": 7, "minute": 58}
